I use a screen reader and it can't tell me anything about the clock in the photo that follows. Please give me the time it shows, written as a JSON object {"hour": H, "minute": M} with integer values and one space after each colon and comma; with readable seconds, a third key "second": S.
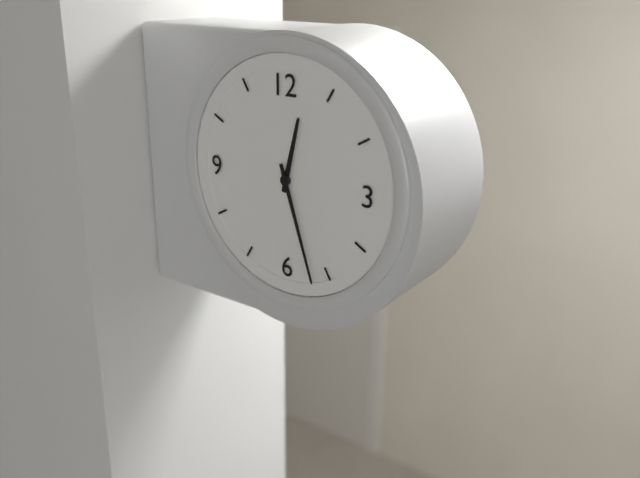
{"hour": 12, "minute": 27}
